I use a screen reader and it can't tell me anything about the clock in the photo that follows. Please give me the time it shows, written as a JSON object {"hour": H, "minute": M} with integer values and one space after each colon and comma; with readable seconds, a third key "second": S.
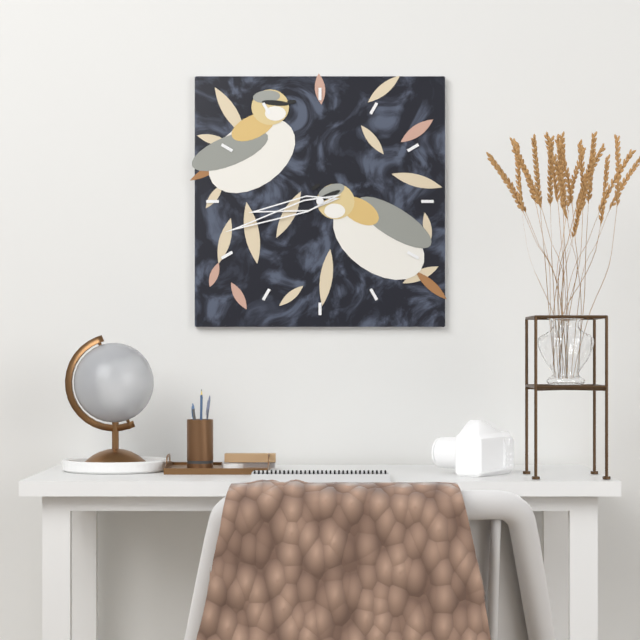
{"hour": 8, "minute": 42}
